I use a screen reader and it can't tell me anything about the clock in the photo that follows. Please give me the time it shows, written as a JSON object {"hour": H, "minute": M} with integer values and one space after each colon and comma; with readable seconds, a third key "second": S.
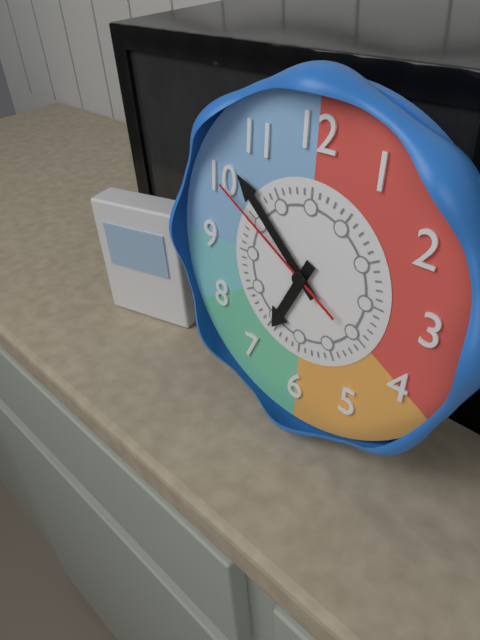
{"hour": 6, "minute": 52, "second": 50}
